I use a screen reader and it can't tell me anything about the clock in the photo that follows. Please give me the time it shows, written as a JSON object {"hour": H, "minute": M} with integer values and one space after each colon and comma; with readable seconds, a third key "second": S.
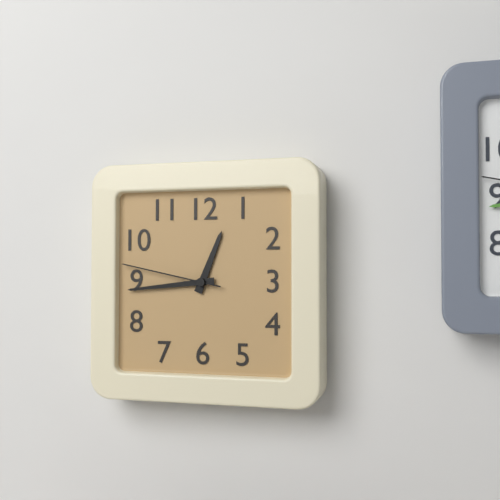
{"hour": 12, "minute": 44, "second": 47}
